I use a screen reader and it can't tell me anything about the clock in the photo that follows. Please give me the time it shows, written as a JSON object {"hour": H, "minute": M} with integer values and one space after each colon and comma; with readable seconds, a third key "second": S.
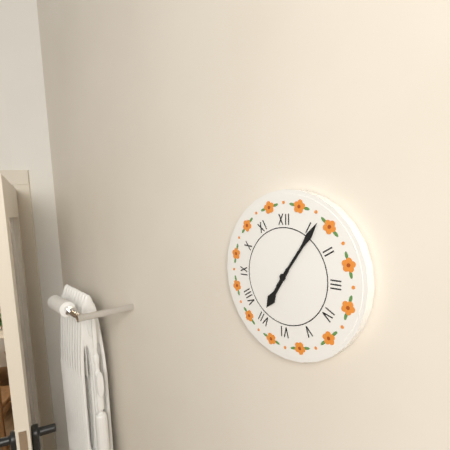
{"hour": 7, "minute": 6}
